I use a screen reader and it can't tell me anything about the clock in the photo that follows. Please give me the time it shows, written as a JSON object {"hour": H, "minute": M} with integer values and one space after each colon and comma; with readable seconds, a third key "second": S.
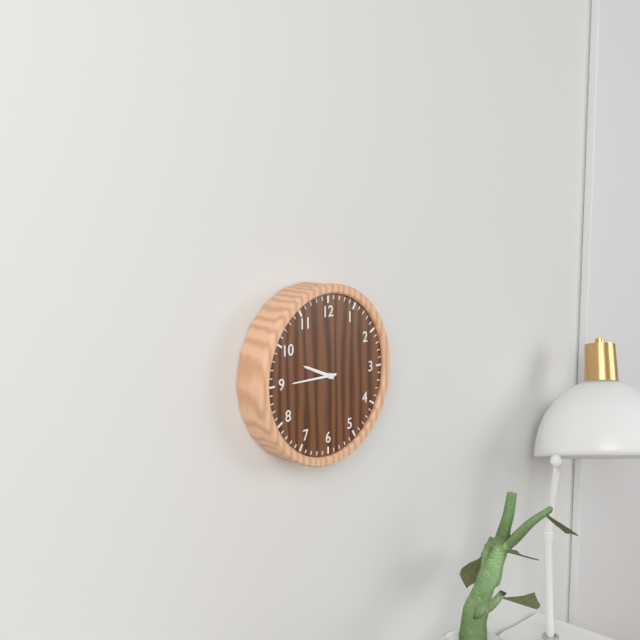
{"hour": 9, "minute": 45}
